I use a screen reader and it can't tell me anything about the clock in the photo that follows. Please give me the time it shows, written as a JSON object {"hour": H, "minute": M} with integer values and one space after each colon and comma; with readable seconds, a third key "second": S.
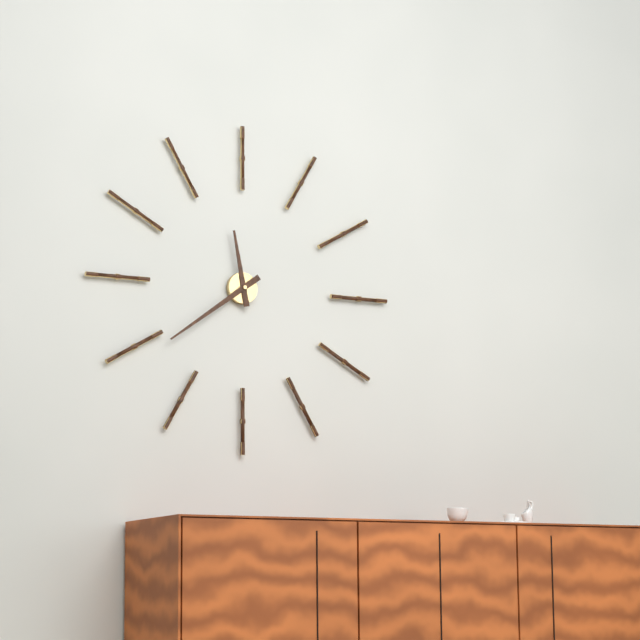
{"hour": 11, "minute": 39}
